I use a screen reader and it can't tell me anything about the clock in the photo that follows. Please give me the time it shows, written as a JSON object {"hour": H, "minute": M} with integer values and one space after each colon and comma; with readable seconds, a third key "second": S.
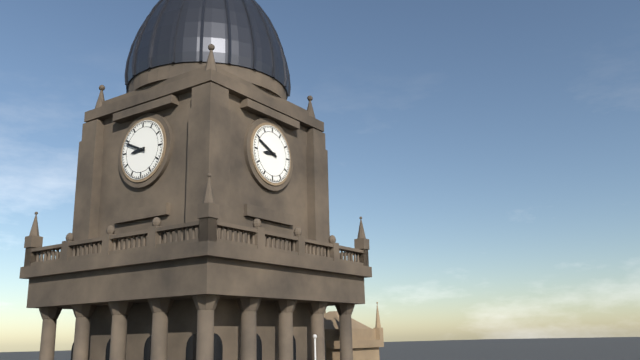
{"hour": 8, "minute": 49}
